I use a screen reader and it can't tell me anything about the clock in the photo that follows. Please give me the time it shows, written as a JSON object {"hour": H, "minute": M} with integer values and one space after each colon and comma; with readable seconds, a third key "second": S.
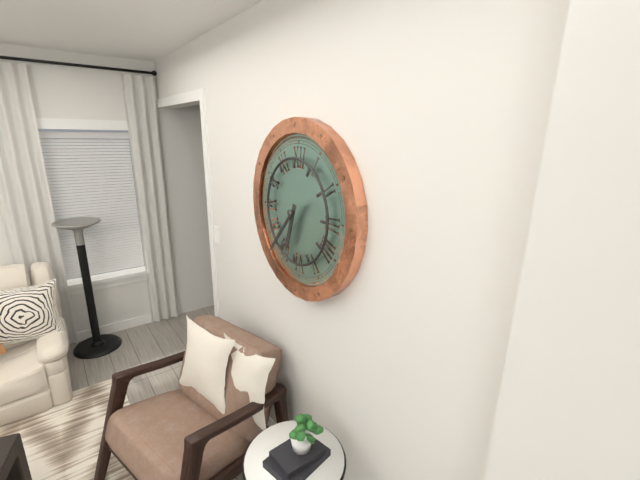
{"hour": 6, "minute": 37}
